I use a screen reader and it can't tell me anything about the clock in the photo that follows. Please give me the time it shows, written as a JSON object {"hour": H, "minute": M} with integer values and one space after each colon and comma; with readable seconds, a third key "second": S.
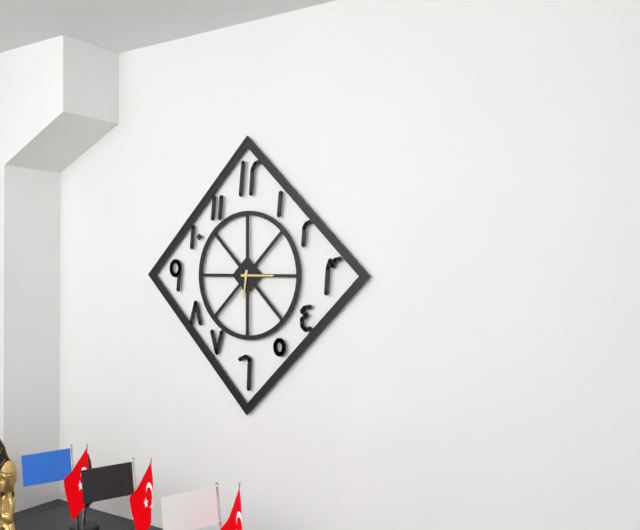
{"hour": 6, "minute": 15}
